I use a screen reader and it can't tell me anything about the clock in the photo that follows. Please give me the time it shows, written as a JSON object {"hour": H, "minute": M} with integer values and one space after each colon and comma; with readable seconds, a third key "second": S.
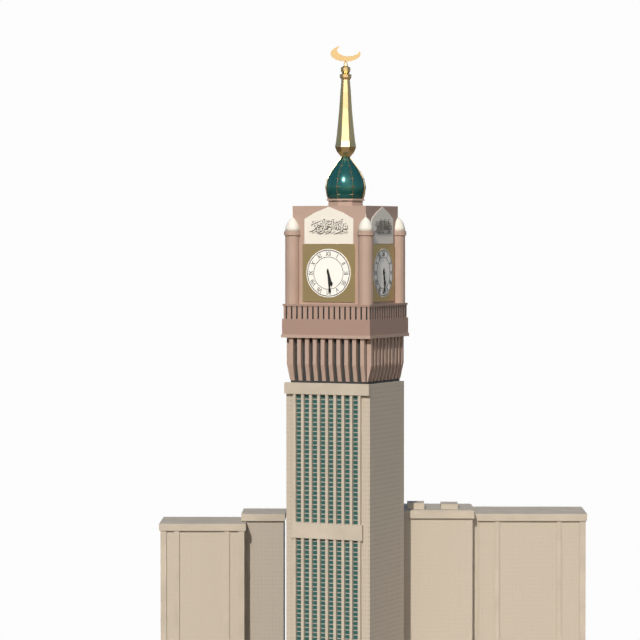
{"hour": 5, "minute": 29}
